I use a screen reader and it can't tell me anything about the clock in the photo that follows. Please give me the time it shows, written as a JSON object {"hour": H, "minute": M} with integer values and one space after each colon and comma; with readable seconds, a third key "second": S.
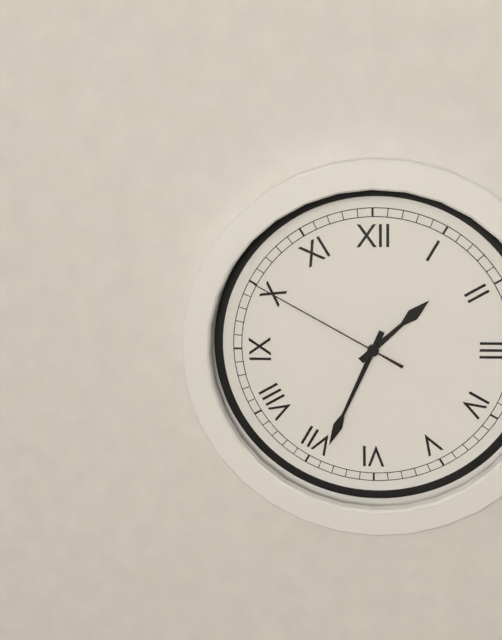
{"hour": 1, "minute": 34, "second": 50}
